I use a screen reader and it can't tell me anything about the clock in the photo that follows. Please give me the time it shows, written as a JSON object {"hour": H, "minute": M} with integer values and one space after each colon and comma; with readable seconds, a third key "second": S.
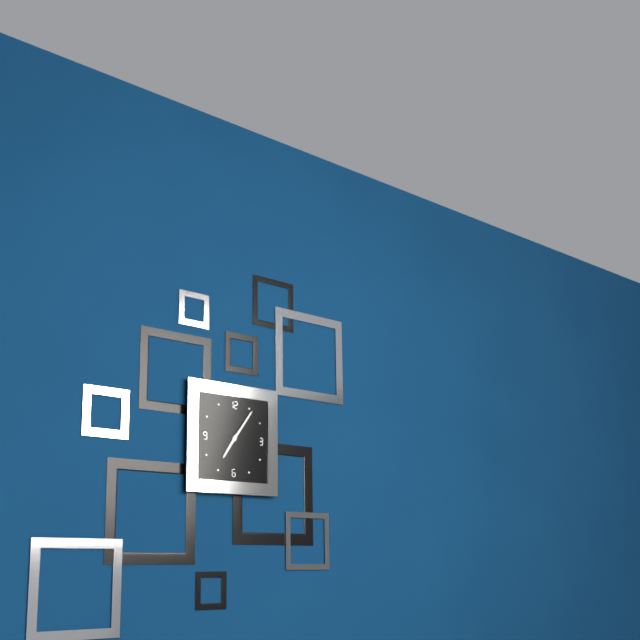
{"hour": 7, "minute": 6}
